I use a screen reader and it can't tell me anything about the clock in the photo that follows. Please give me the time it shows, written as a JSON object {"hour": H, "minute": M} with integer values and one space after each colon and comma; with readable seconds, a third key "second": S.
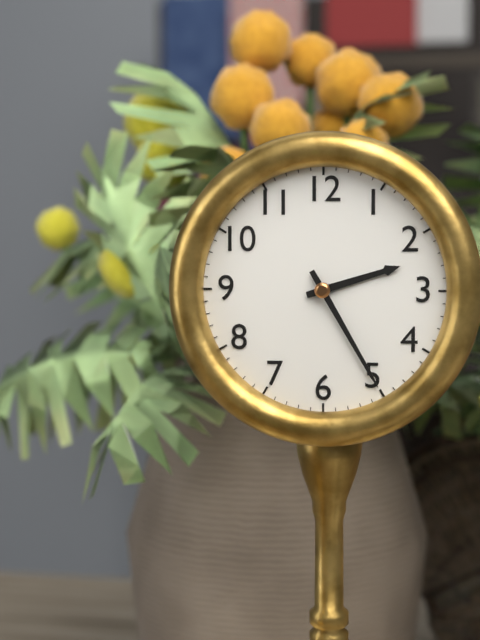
{"hour": 2, "minute": 25}
